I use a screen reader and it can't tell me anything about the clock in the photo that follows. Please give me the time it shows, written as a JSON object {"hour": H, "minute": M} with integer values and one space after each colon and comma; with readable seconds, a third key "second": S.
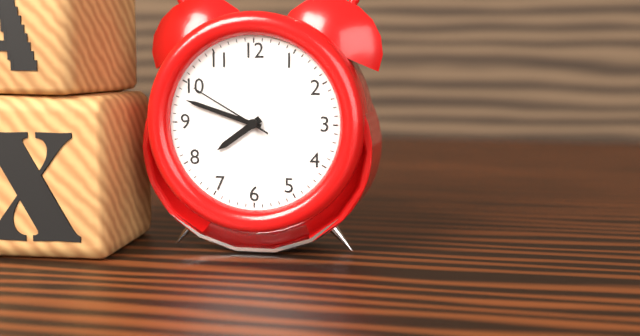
{"hour": 7, "minute": 48, "second": 50}
